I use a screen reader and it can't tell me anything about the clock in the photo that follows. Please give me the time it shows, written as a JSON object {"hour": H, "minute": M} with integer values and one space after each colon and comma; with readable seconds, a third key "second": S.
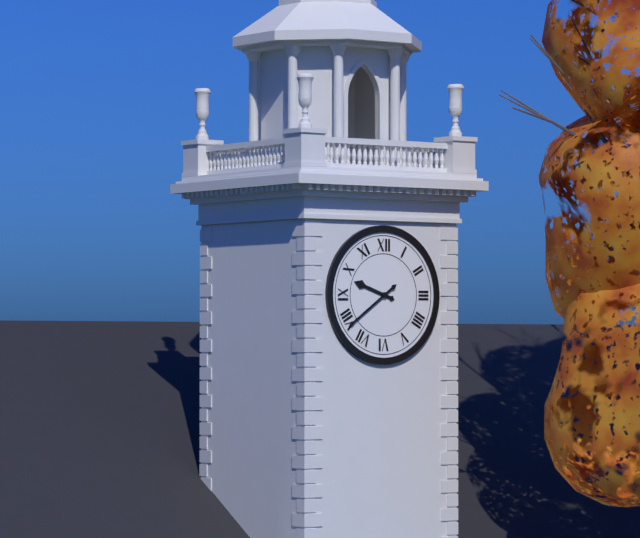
{"hour": 9, "minute": 39}
